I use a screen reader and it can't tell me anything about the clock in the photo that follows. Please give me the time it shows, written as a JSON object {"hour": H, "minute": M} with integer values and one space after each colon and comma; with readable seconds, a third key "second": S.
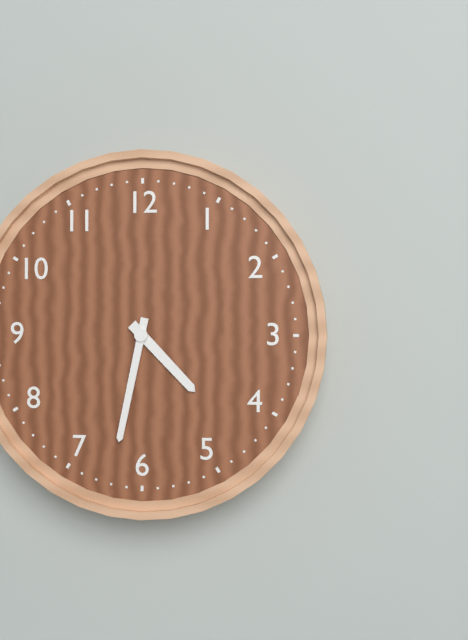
{"hour": 4, "minute": 32}
